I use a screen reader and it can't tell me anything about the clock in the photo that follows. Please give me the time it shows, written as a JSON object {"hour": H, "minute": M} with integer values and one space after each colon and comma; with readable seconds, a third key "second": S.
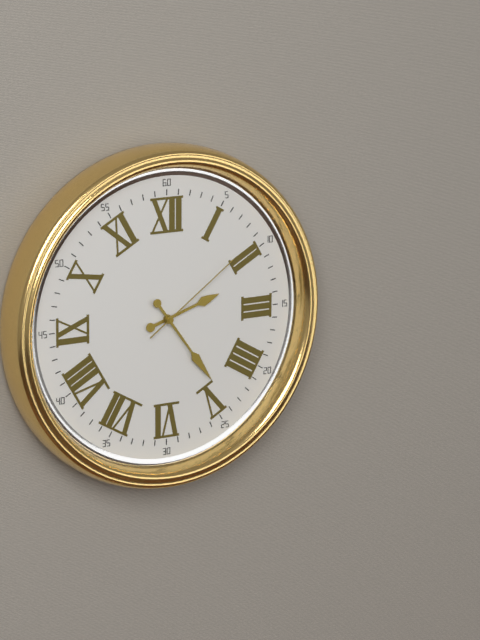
{"hour": 2, "minute": 24, "second": 9}
